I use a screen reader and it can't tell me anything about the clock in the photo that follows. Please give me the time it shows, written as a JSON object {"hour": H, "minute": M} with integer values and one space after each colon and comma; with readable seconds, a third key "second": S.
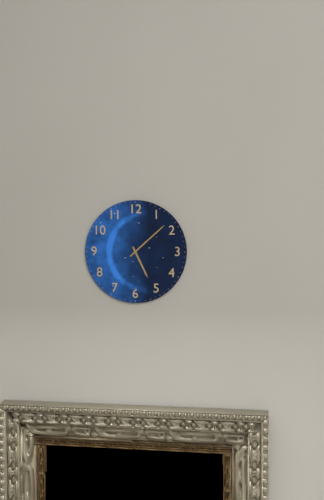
{"hour": 5, "minute": 8}
